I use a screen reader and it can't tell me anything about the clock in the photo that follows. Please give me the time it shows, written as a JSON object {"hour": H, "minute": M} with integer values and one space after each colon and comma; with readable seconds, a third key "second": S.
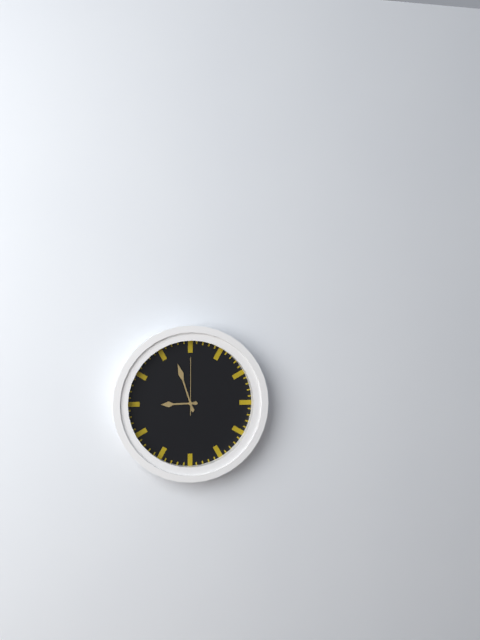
{"hour": 8, "minute": 57, "second": 0}
